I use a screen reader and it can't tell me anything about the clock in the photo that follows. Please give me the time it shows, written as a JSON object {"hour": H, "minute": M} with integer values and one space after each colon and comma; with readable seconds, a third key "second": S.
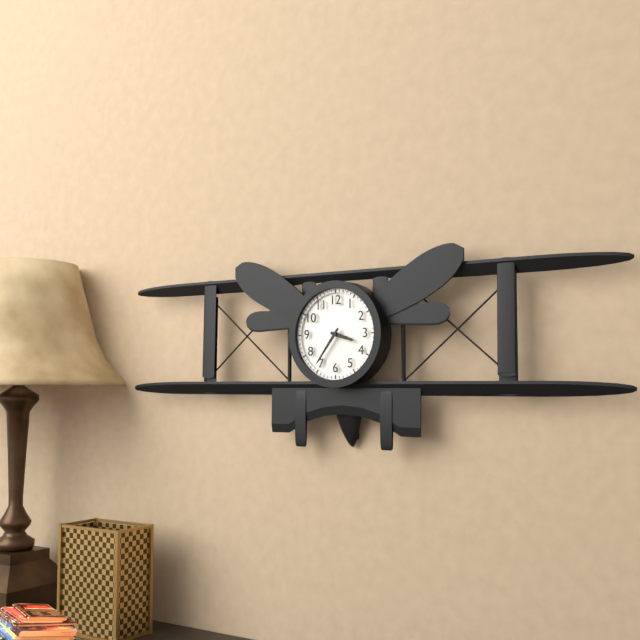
{"hour": 3, "minute": 36}
